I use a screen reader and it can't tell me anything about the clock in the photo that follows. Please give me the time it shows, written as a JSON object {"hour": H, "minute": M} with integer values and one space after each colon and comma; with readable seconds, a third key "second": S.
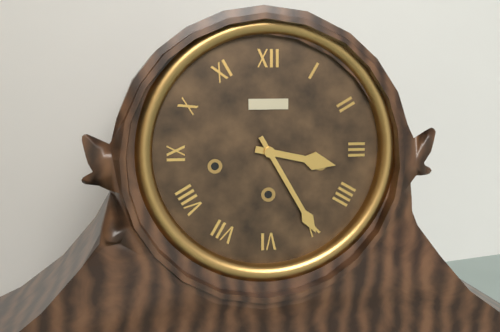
{"hour": 3, "minute": 25}
